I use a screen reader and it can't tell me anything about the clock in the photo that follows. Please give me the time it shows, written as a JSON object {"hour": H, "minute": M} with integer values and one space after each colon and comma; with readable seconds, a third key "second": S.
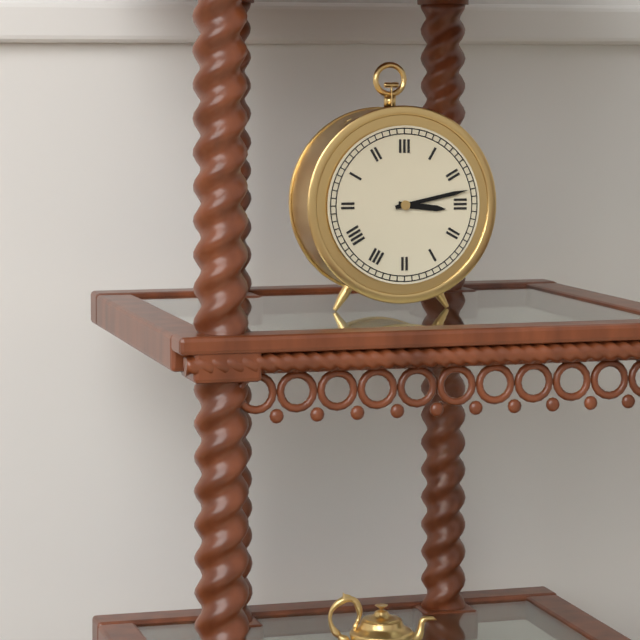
{"hour": 3, "minute": 13}
